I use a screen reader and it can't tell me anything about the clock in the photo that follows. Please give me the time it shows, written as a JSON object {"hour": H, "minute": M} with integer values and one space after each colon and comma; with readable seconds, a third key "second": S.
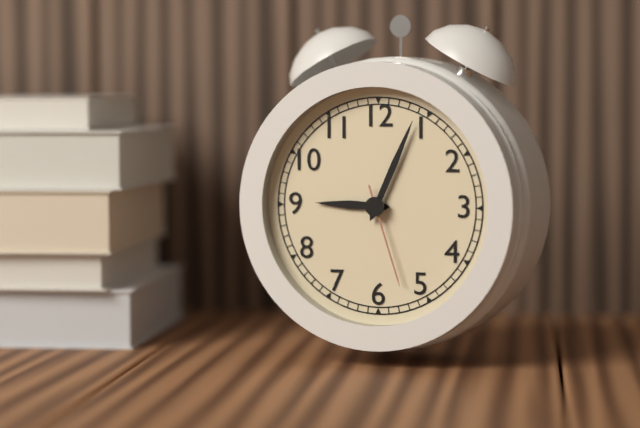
{"hour": 9, "minute": 4, "second": 27}
